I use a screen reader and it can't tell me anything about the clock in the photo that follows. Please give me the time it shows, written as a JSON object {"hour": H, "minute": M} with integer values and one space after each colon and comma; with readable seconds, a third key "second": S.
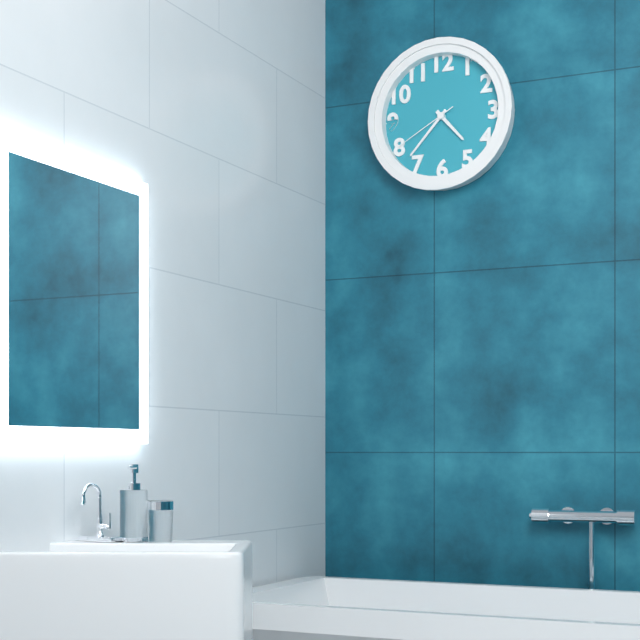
{"hour": 4, "minute": 37, "second": 40}
